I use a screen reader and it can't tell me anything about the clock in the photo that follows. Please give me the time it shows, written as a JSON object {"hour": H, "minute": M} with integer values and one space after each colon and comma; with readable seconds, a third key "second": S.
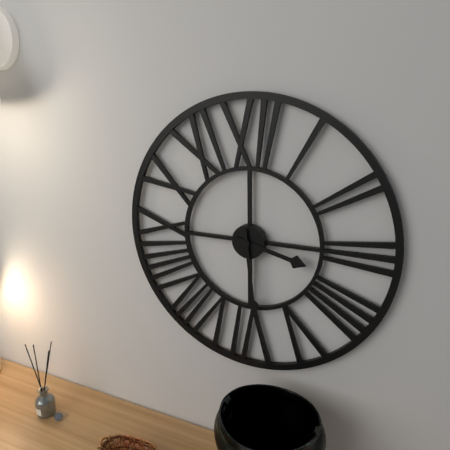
{"hour": 3, "minute": 29}
